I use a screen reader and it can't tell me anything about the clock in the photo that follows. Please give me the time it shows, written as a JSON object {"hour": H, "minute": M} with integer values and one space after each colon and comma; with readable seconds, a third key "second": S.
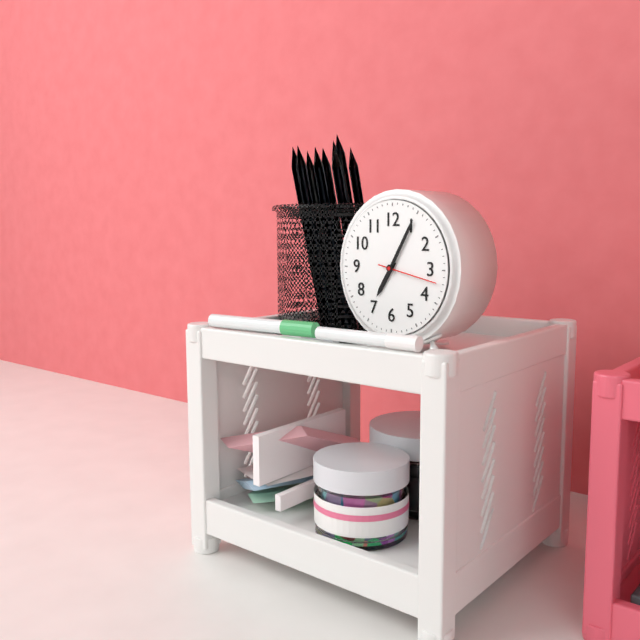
{"hour": 7, "minute": 5, "second": 17}
